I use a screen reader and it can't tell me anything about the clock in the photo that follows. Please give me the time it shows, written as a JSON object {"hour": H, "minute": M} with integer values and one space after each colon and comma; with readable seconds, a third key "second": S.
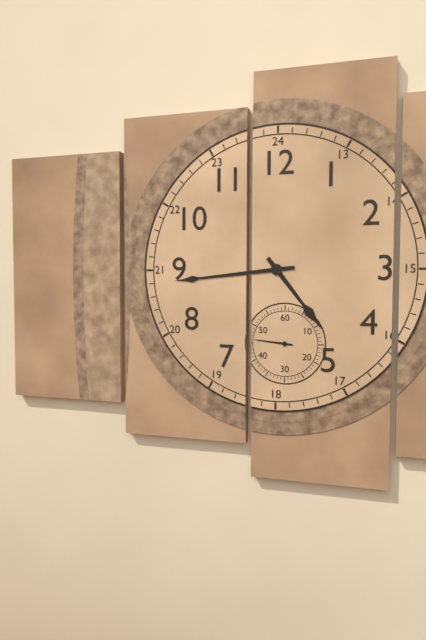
{"hour": 4, "minute": 44}
